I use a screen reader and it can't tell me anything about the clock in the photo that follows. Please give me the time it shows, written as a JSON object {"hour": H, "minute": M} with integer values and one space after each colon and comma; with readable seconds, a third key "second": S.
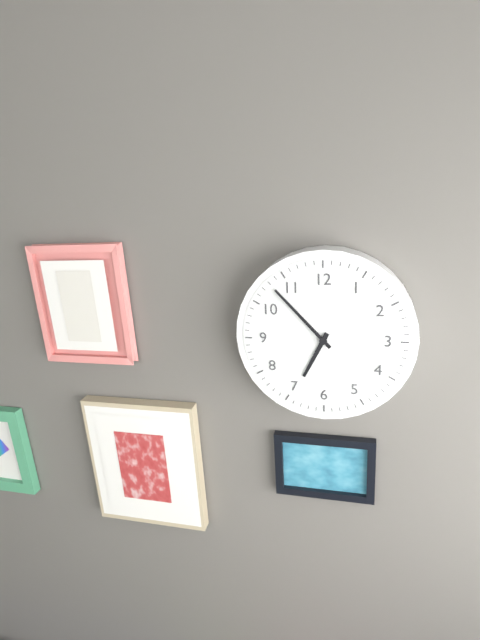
{"hour": 6, "minute": 53}
